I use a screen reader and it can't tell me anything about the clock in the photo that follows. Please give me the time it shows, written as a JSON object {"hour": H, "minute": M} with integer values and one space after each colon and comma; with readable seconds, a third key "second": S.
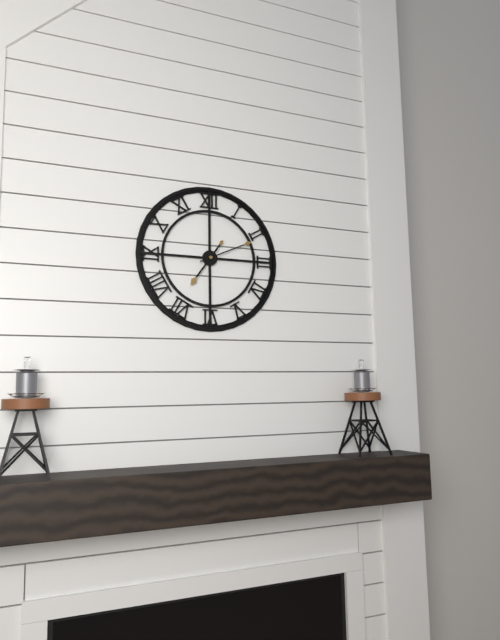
{"hour": 7, "minute": 11}
